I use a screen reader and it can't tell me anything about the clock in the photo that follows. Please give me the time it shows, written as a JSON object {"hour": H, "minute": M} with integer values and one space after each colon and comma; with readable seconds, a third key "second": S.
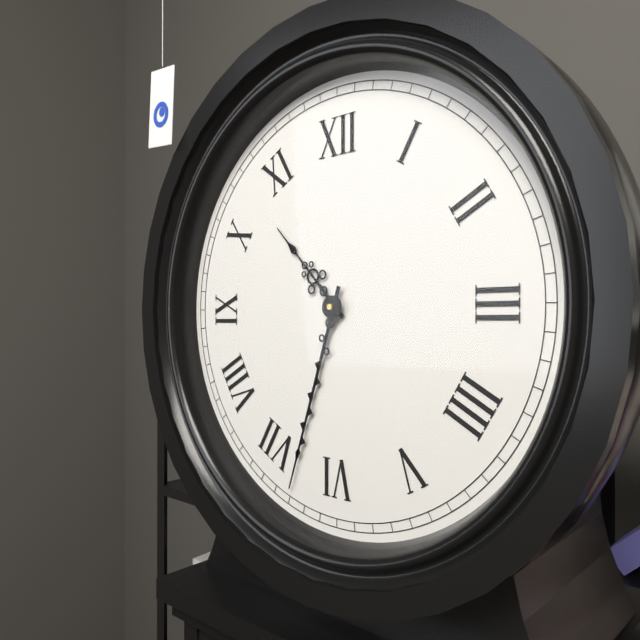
{"hour": 10, "minute": 33}
